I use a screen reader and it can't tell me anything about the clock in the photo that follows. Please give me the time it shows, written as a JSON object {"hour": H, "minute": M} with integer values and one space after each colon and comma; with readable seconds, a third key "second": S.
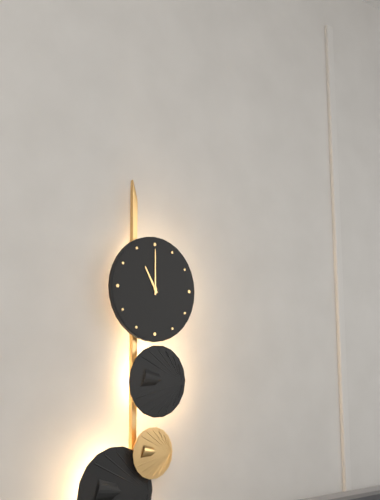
{"hour": 11, "minute": 0}
